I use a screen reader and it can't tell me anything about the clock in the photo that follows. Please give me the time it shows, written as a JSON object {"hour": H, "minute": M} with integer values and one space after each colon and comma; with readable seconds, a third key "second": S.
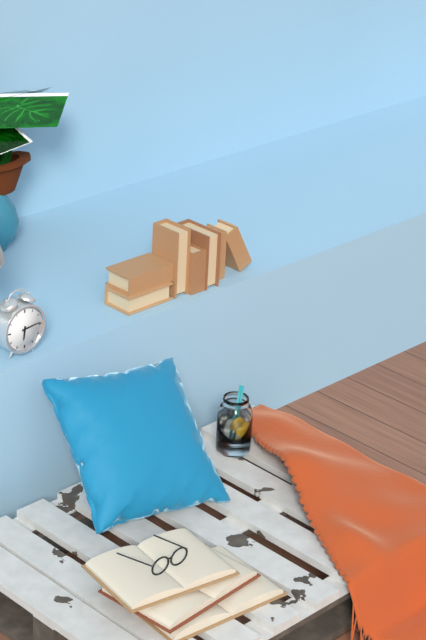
{"hour": 6, "minute": 14}
